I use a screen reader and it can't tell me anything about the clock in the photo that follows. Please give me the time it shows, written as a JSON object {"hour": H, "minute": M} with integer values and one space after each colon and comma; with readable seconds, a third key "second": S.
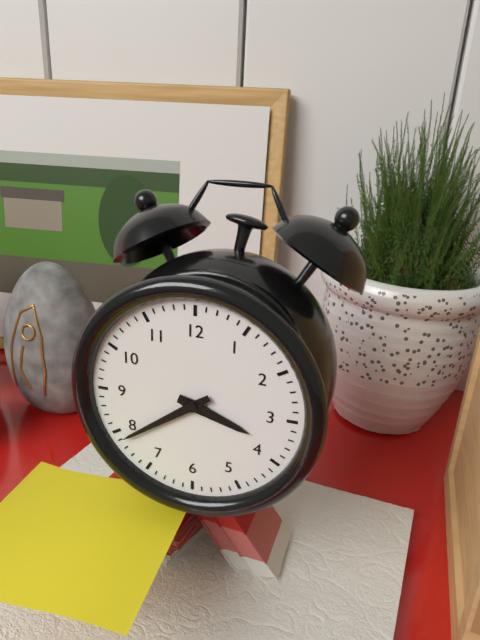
{"hour": 3, "minute": 39}
